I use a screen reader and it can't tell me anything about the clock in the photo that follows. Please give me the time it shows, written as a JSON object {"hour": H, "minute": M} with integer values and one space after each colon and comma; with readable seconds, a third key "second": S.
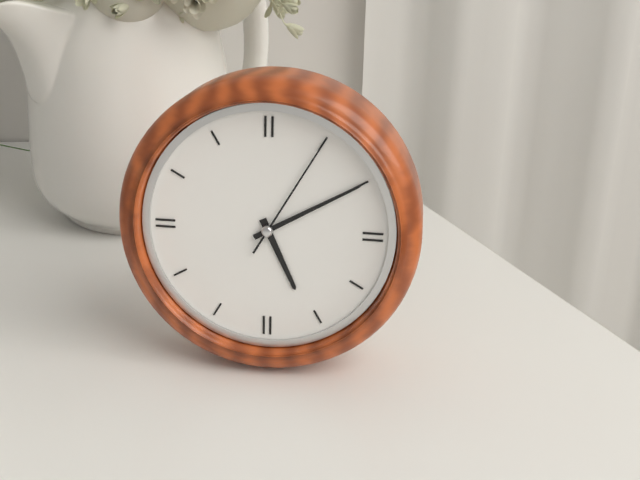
{"hour": 5, "minute": 10, "second": 5}
